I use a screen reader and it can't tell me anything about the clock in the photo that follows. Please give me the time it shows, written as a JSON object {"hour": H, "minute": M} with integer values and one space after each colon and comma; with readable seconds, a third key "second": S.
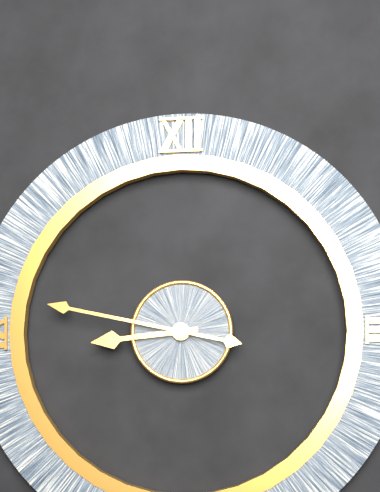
{"hour": 8, "minute": 47}
